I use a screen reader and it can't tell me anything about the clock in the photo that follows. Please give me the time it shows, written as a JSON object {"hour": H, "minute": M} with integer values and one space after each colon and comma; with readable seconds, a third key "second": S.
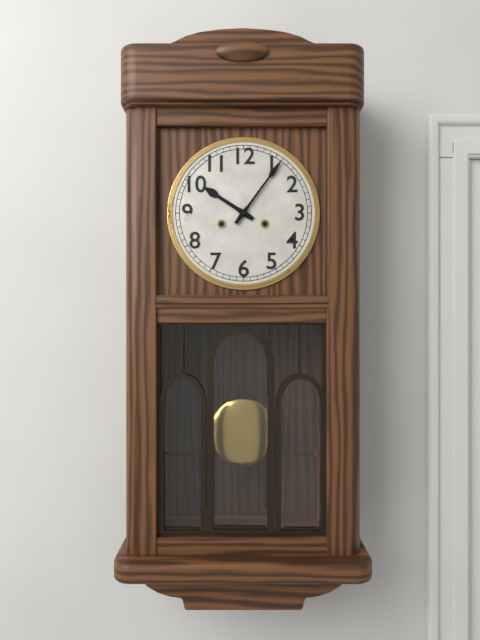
{"hour": 10, "minute": 6}
